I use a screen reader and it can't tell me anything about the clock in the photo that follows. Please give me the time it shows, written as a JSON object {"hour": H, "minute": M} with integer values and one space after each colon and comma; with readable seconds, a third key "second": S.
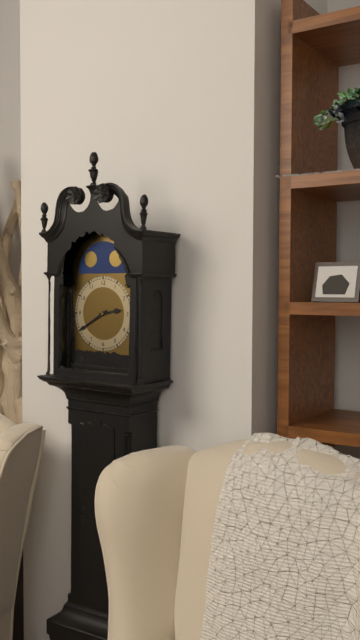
{"hour": 2, "minute": 40}
